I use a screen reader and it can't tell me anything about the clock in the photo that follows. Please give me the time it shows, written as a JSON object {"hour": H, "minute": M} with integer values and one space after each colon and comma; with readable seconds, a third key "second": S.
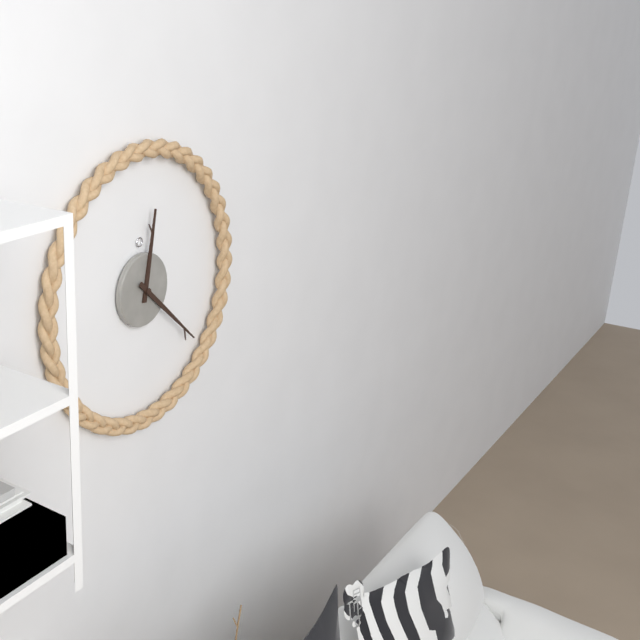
{"hour": 12, "minute": 22}
